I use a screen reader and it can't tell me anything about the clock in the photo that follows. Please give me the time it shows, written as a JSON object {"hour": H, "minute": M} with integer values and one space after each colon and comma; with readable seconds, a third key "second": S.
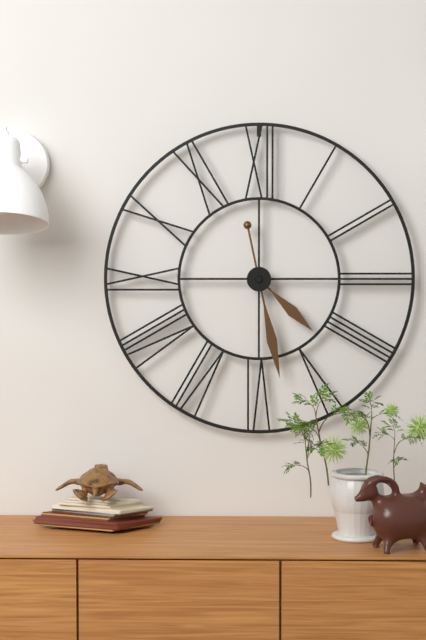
{"hour": 4, "minute": 28}
